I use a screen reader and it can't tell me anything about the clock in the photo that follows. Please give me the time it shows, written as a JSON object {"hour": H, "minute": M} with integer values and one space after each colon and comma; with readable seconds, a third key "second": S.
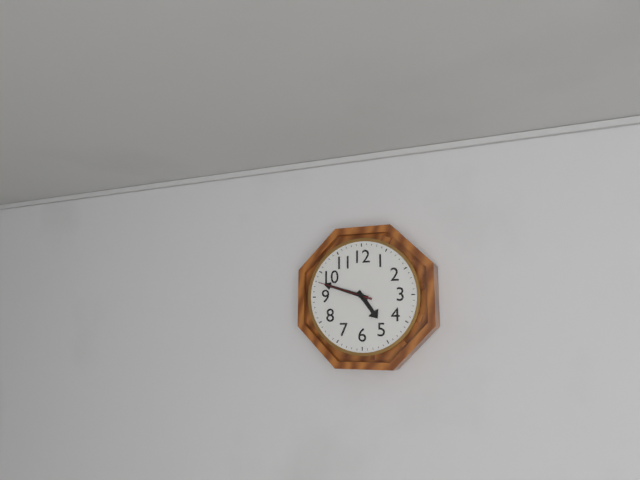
{"hour": 4, "minute": 48, "second": 48}
